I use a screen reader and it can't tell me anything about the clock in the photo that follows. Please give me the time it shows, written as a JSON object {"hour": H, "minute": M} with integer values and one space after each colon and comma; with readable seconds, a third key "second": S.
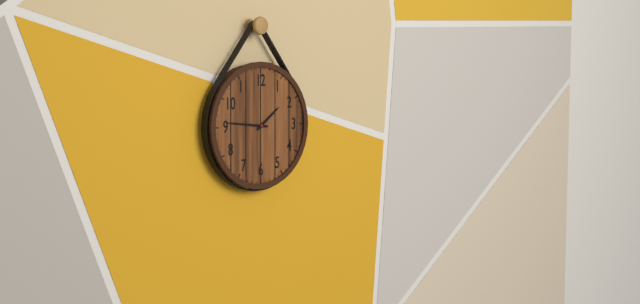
{"hour": 1, "minute": 46}
